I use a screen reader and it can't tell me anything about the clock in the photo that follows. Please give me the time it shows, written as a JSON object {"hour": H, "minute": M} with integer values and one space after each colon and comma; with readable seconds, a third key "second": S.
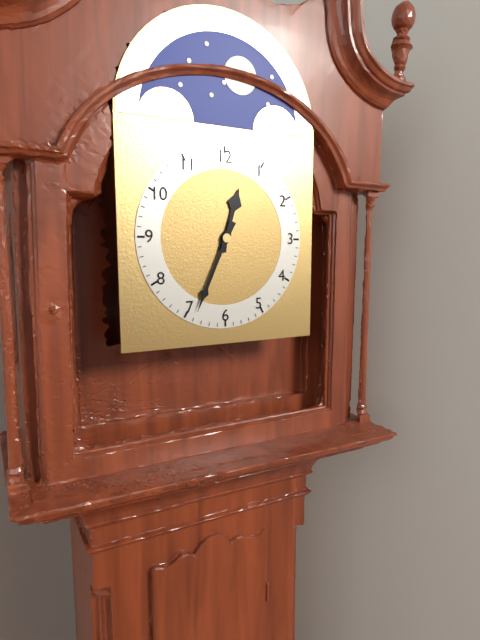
{"hour": 12, "minute": 34}
